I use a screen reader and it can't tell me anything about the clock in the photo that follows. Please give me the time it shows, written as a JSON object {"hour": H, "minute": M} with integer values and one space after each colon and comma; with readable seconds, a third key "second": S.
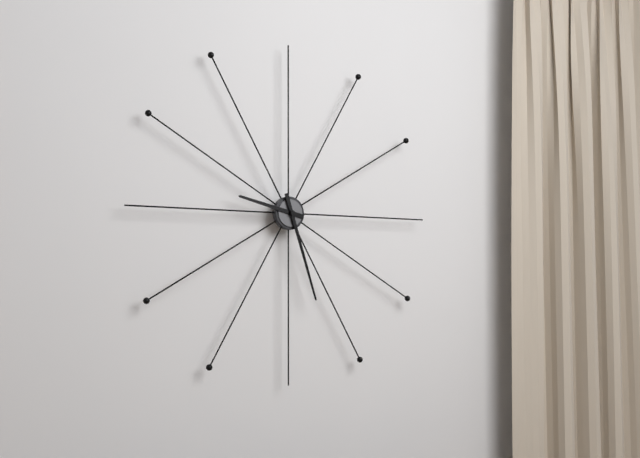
{"hour": 9, "minute": 27}
